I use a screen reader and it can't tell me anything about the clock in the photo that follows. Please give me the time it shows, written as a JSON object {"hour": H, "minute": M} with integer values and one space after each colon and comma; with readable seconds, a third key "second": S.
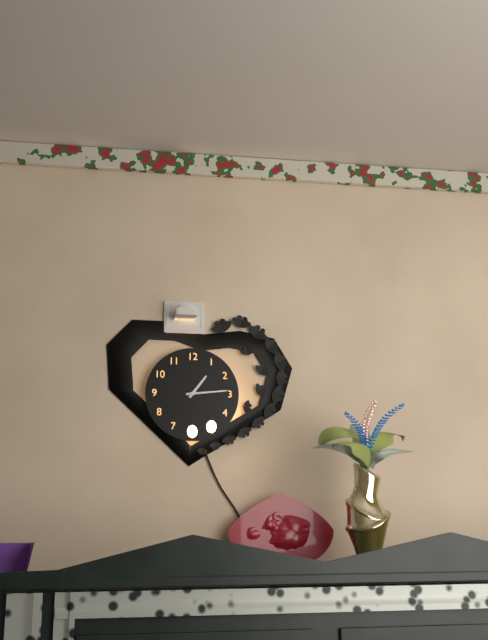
{"hour": 1, "minute": 14}
